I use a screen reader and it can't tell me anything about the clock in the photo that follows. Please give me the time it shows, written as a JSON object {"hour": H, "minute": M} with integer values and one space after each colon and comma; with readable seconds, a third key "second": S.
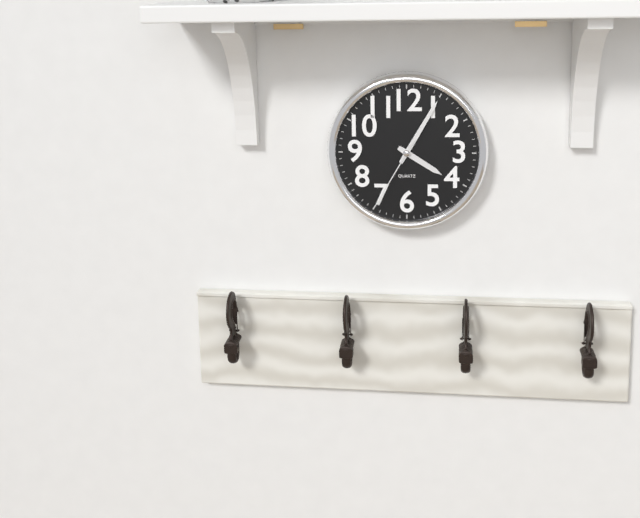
{"hour": 4, "minute": 5, "second": 35}
